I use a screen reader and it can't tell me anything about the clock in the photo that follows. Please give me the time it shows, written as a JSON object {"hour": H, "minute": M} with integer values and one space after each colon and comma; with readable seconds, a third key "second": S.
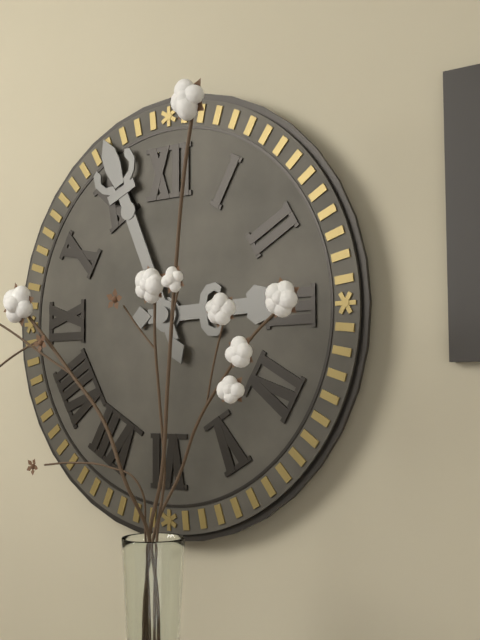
{"hour": 2, "minute": 56}
